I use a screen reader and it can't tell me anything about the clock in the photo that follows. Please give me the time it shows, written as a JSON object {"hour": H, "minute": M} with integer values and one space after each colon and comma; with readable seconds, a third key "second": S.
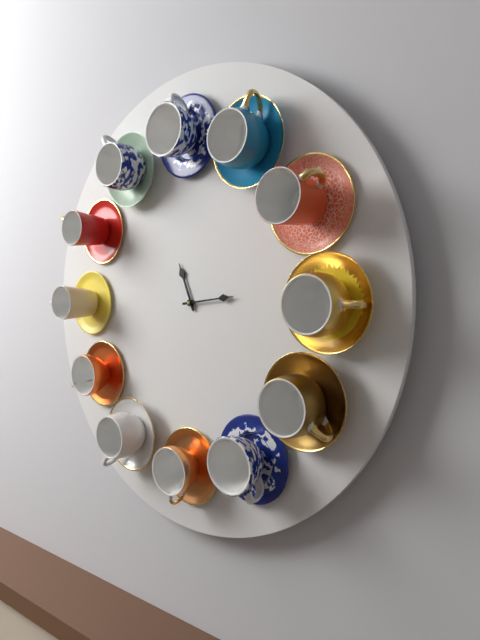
{"hour": 11, "minute": 14}
